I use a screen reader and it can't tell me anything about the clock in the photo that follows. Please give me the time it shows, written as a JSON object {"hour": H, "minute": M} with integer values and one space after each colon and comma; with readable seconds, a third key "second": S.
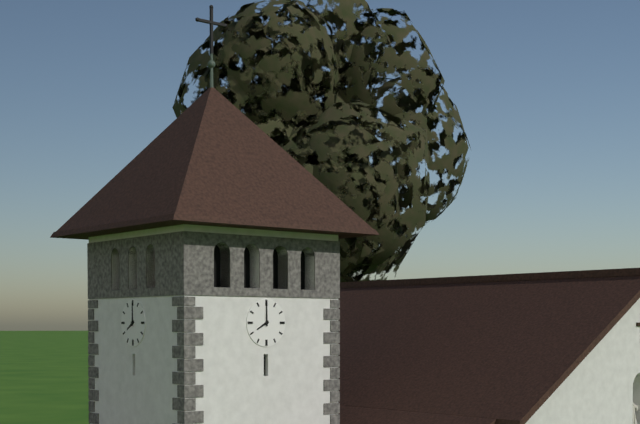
{"hour": 8, "minute": 0}
